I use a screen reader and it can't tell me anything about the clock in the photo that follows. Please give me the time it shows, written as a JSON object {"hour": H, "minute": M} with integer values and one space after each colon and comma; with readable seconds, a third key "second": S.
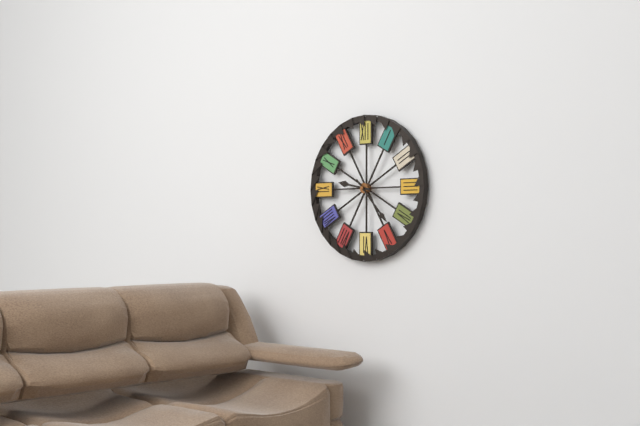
{"hour": 9, "minute": 23}
